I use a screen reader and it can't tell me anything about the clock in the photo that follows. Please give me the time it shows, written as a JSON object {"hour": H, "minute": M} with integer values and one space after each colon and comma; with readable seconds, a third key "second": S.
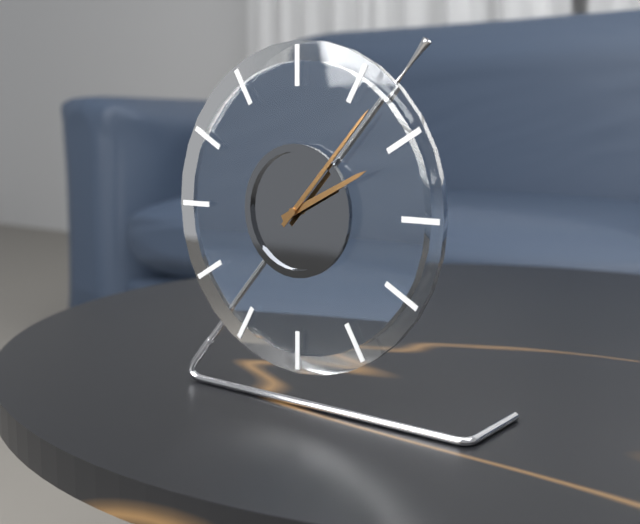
{"hour": 2, "minute": 7}
